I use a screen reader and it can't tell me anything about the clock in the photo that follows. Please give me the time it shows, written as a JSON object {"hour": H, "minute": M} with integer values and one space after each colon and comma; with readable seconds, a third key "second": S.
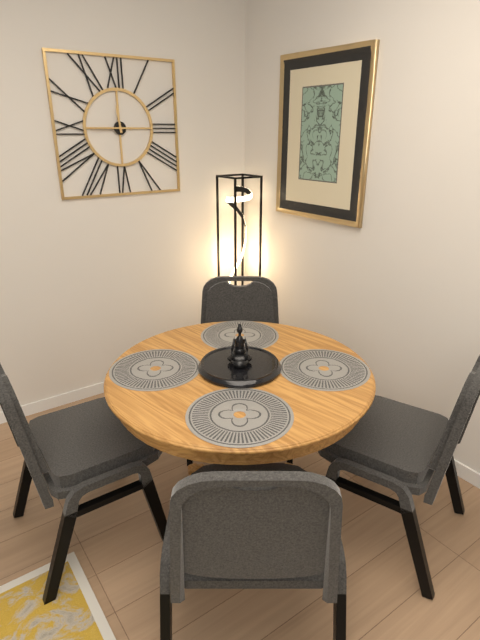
{"hour": 11, "minute": 45}
